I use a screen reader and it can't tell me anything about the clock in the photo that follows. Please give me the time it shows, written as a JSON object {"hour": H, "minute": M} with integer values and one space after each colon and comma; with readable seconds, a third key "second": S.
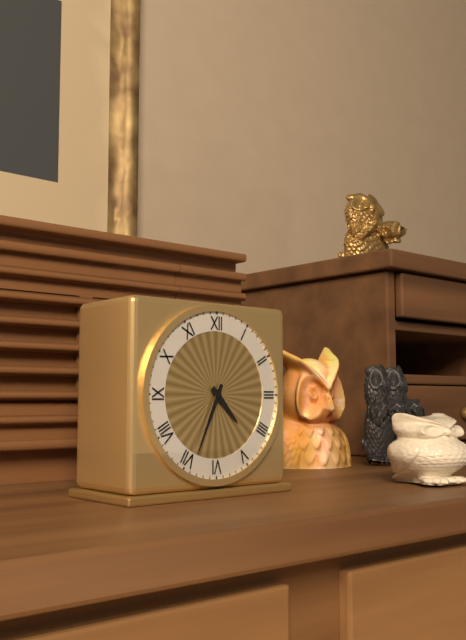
{"hour": 4, "minute": 34}
